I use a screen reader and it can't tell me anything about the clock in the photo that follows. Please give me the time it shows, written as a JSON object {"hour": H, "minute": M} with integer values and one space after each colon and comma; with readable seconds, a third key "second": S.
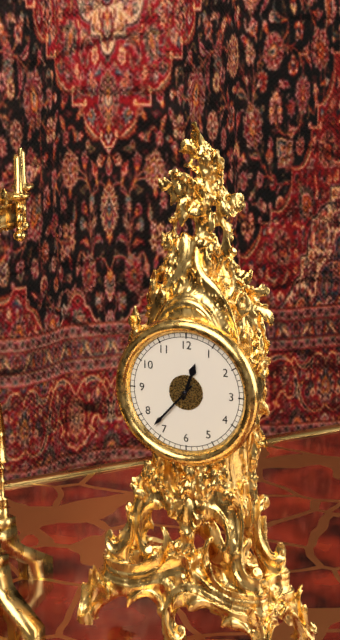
{"hour": 12, "minute": 37}
